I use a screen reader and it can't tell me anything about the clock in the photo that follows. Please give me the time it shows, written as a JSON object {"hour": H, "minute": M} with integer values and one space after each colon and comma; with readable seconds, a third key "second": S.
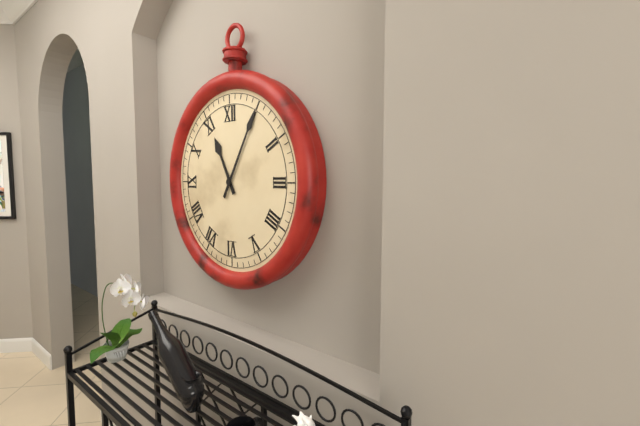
{"hour": 11, "minute": 5}
